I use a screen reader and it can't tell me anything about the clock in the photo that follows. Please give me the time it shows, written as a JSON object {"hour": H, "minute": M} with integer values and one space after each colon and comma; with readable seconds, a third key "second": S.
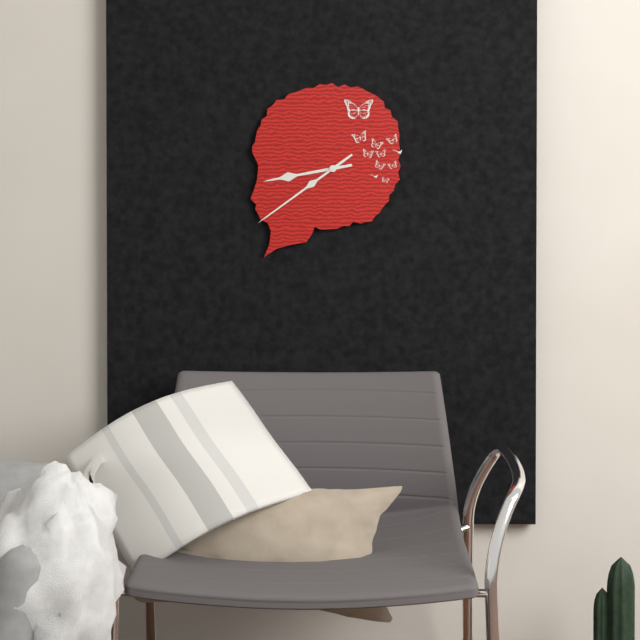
{"hour": 8, "minute": 39}
